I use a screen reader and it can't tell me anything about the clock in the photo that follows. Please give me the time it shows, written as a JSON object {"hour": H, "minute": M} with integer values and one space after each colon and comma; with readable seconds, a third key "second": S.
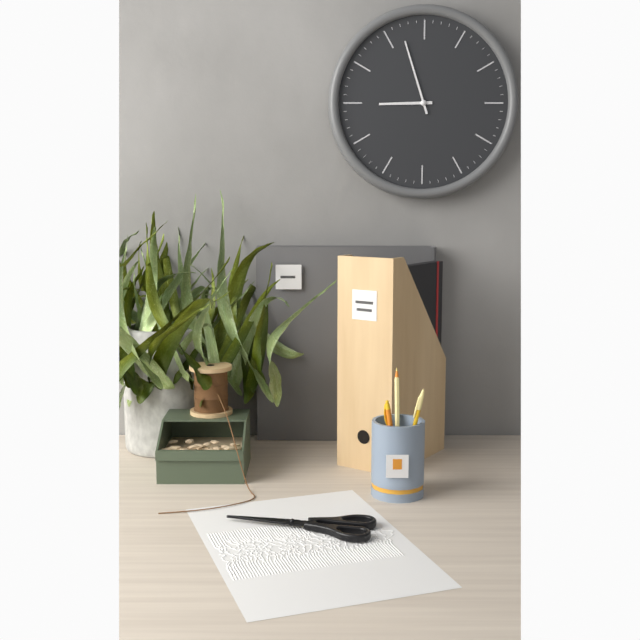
{"hour": 8, "minute": 57}
